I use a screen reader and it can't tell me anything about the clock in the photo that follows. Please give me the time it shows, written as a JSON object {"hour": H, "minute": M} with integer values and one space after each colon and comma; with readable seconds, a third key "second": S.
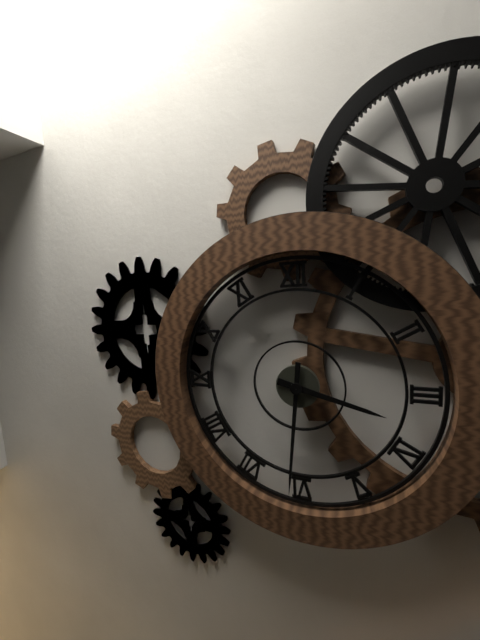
{"hour": 3, "minute": 31}
